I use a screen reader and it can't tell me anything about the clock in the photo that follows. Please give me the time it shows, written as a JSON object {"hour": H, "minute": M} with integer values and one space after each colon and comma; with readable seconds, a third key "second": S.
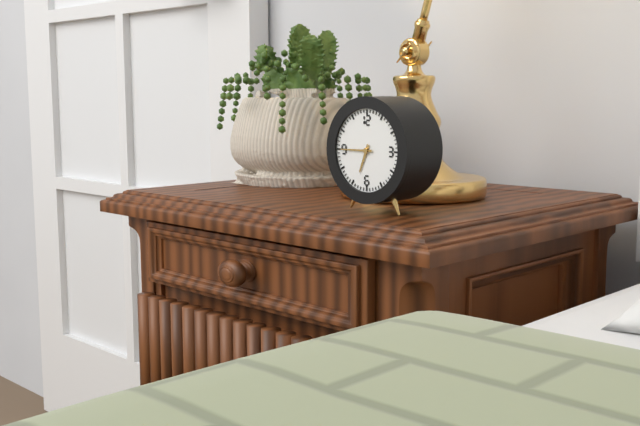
{"hour": 6, "minute": 45}
